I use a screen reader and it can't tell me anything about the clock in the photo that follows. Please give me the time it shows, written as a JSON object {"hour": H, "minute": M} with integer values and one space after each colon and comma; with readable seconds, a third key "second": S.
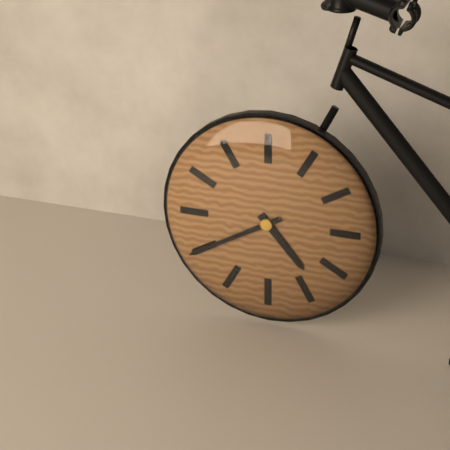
{"hour": 4, "minute": 40}
